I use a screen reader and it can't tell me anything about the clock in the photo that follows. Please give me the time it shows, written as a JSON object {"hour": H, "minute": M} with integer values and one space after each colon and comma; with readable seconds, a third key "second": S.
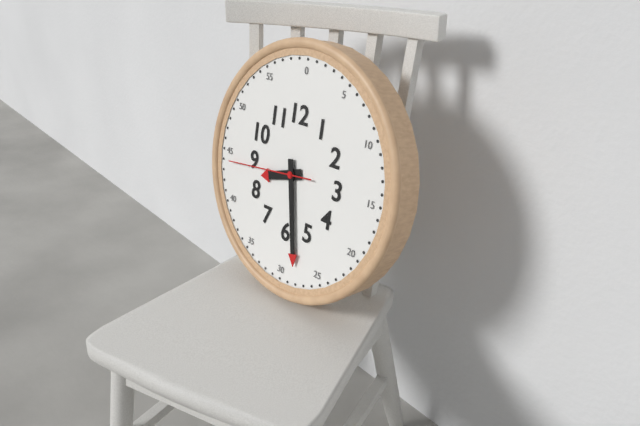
{"hour": 8, "minute": 28, "second": 44}
